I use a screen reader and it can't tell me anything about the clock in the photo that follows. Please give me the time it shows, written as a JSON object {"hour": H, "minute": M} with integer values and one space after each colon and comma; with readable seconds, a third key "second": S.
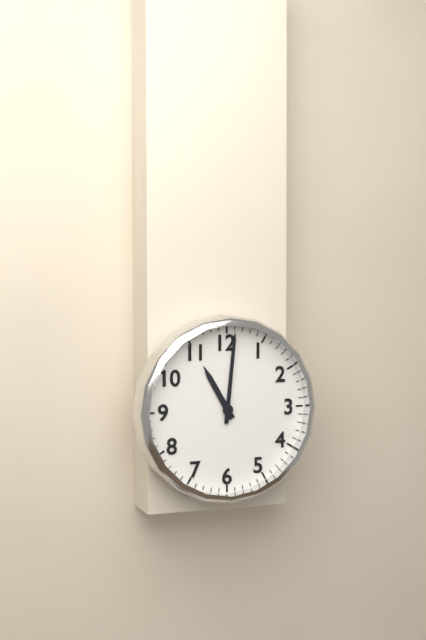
{"hour": 11, "minute": 1}
